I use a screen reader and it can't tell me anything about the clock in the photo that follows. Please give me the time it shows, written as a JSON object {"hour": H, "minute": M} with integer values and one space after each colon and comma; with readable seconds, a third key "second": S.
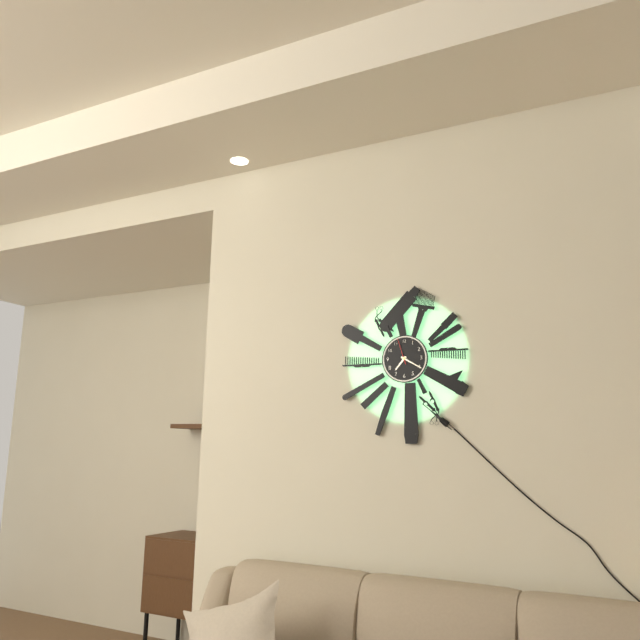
{"hour": 7, "minute": 20}
